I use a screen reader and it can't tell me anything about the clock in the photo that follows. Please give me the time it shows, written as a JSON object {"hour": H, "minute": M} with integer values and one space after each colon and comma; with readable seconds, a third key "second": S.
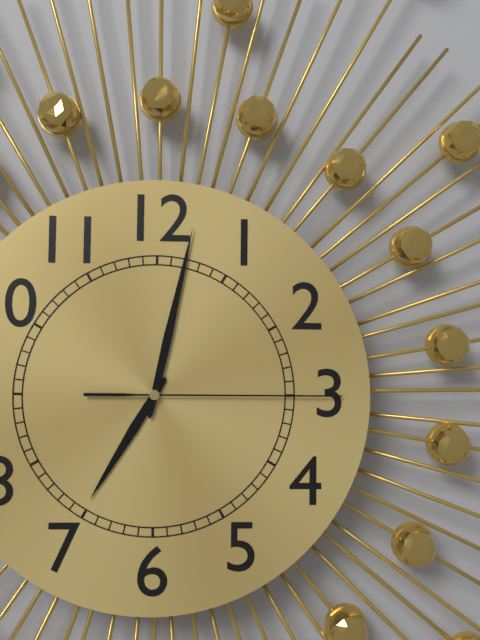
{"hour": 7, "minute": 2, "second": 15}
